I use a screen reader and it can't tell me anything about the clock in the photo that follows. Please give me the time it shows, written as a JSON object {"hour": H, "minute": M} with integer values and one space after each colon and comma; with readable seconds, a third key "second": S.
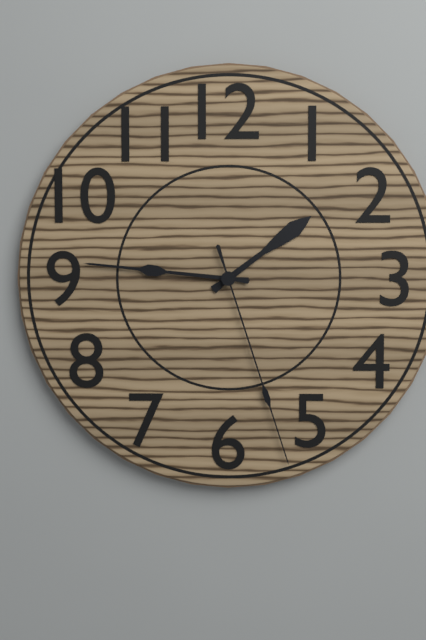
{"hour": 1, "minute": 46, "second": 27}
